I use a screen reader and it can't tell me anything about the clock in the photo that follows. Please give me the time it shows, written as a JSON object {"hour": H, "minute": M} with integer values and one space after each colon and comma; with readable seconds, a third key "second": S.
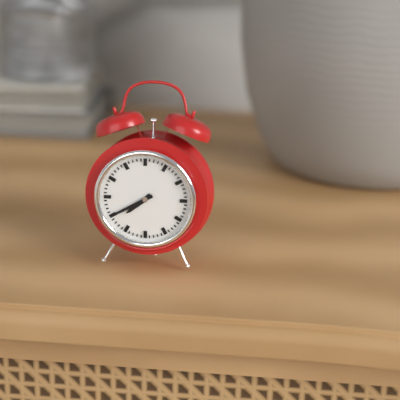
{"hour": 7, "minute": 40}
